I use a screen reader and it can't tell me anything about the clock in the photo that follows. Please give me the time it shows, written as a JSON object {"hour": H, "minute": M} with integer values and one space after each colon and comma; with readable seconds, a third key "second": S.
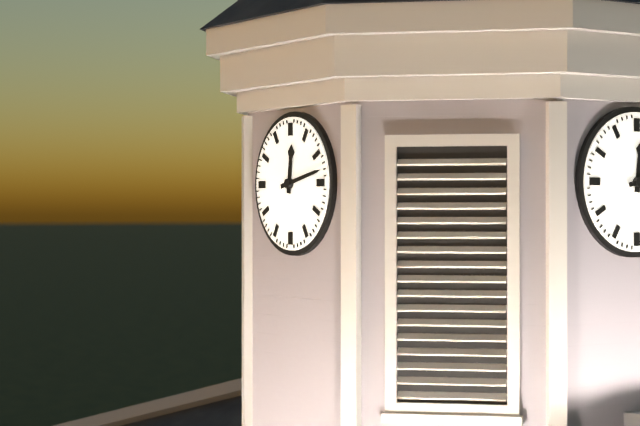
{"hour": 12, "minute": 13}
